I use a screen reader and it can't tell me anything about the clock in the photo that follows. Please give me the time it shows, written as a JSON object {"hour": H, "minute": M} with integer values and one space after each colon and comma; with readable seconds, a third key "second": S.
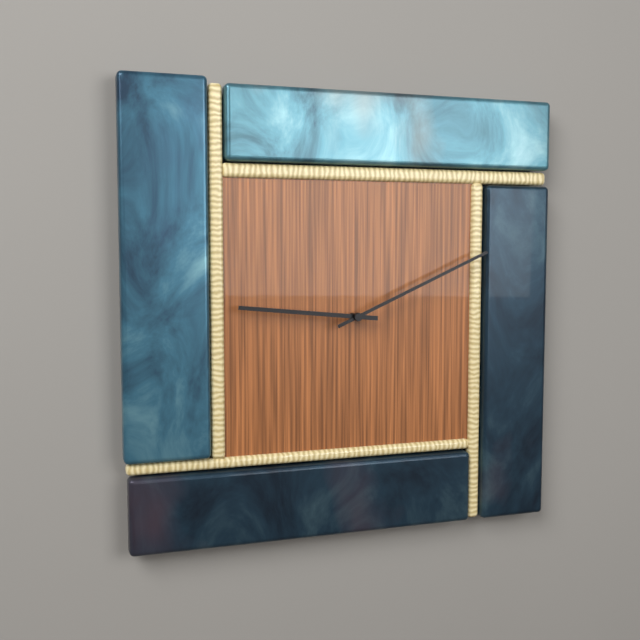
{"hour": 9, "minute": 11}
